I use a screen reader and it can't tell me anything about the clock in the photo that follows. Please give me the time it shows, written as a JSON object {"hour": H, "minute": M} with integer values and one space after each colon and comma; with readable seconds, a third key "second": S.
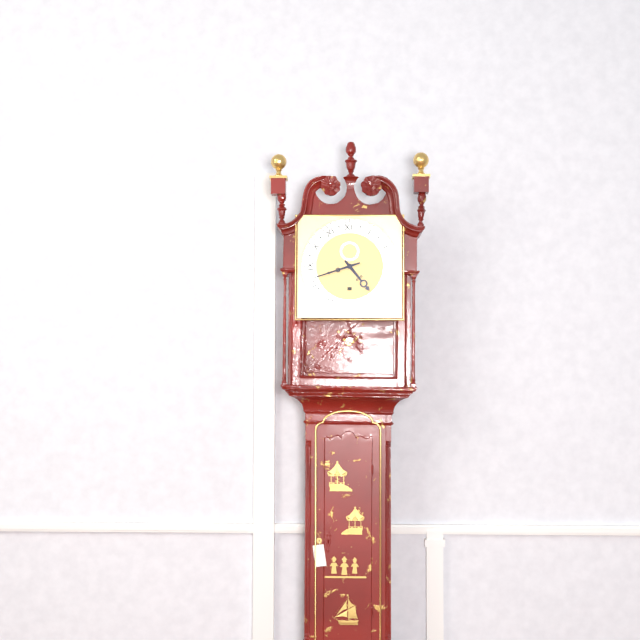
{"hour": 4, "minute": 42}
